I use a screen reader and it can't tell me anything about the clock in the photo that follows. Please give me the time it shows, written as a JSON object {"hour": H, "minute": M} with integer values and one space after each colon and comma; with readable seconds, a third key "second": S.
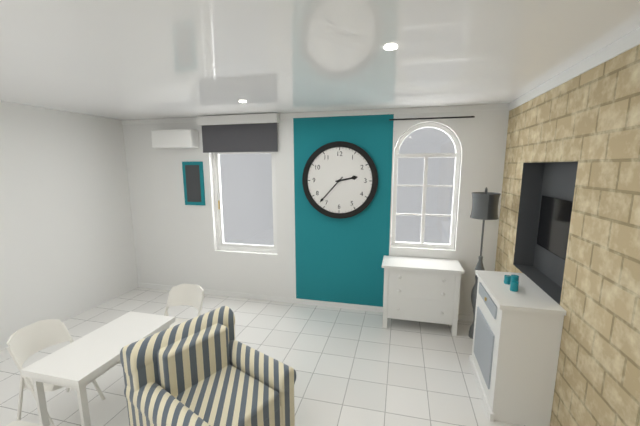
{"hour": 2, "minute": 37}
